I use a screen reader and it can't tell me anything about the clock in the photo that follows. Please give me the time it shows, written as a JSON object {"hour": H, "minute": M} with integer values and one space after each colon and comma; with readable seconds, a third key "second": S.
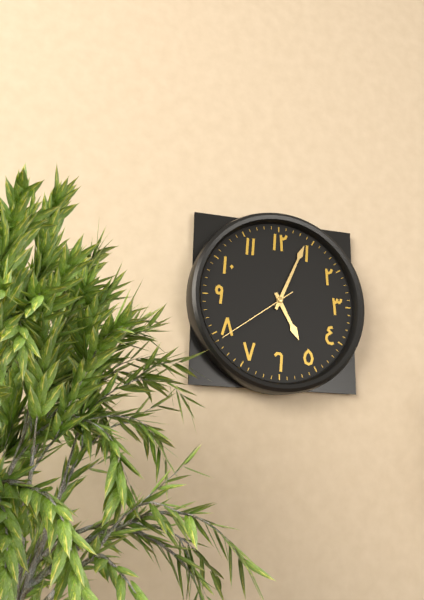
{"hour": 5, "minute": 4, "second": 39}
